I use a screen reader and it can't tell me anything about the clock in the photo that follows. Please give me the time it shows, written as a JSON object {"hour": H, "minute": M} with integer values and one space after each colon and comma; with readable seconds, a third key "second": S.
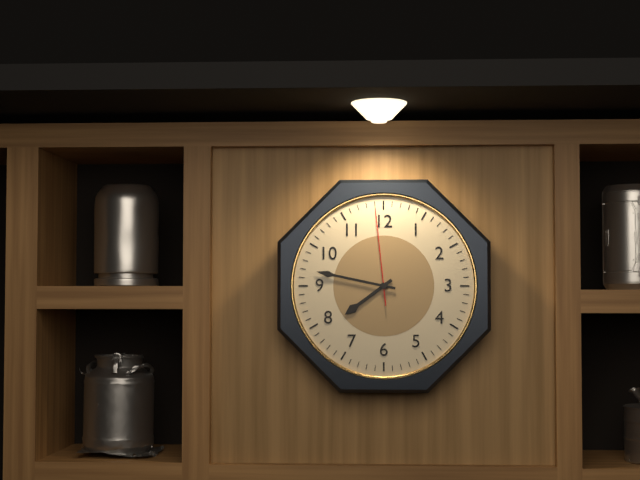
{"hour": 7, "minute": 47, "second": 59}
